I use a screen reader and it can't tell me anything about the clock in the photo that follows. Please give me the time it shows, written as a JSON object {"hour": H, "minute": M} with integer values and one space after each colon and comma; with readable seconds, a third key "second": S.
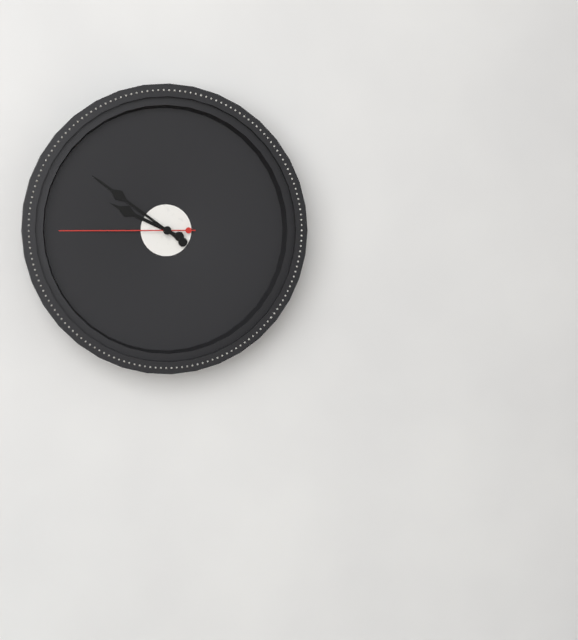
{"hour": 9, "minute": 51, "second": 45}
